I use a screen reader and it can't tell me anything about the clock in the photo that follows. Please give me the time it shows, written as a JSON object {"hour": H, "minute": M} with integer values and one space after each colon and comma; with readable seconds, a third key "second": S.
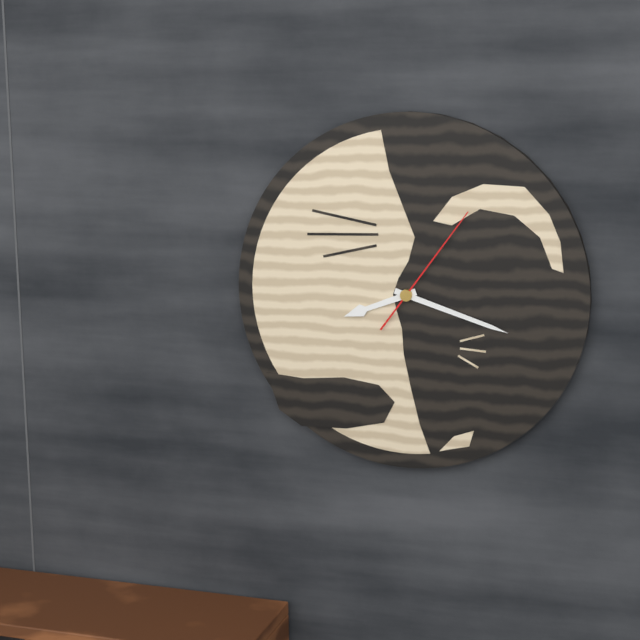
{"hour": 8, "minute": 18, "second": 6}
